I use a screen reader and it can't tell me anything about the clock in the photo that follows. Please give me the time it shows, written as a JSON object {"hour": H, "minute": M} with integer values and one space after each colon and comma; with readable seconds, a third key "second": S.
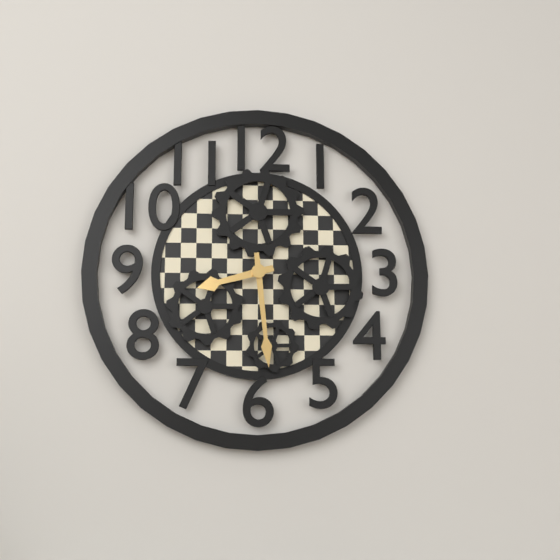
{"hour": 8, "minute": 29}
